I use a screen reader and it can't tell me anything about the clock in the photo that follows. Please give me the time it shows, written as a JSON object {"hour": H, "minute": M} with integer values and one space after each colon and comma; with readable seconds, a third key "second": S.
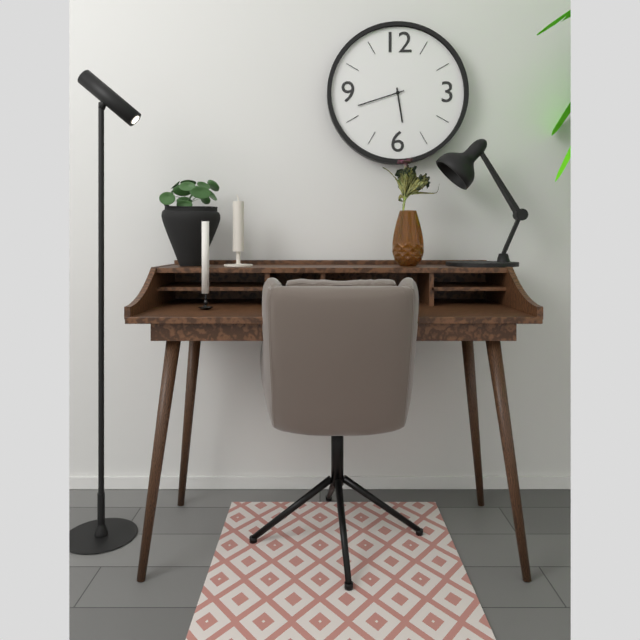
{"hour": 5, "minute": 42}
